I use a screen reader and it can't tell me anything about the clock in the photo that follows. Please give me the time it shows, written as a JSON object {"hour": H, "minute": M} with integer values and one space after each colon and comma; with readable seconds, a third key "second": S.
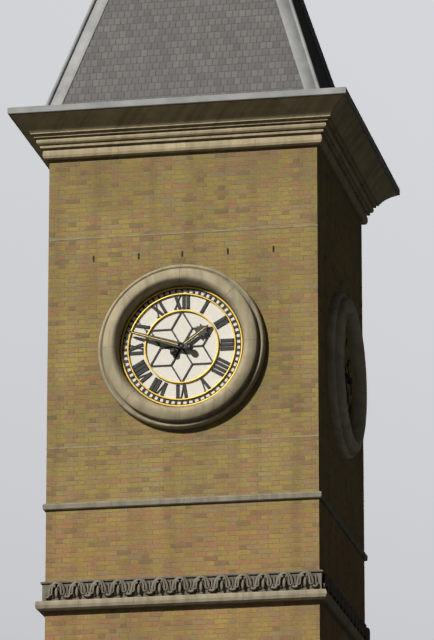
{"hour": 1, "minute": 48}
